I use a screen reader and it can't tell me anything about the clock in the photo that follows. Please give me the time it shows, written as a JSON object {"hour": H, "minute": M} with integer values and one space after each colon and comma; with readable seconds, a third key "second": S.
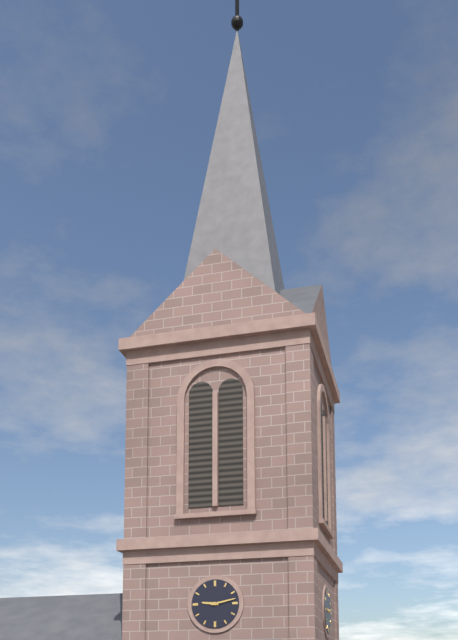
{"hour": 9, "minute": 13}
